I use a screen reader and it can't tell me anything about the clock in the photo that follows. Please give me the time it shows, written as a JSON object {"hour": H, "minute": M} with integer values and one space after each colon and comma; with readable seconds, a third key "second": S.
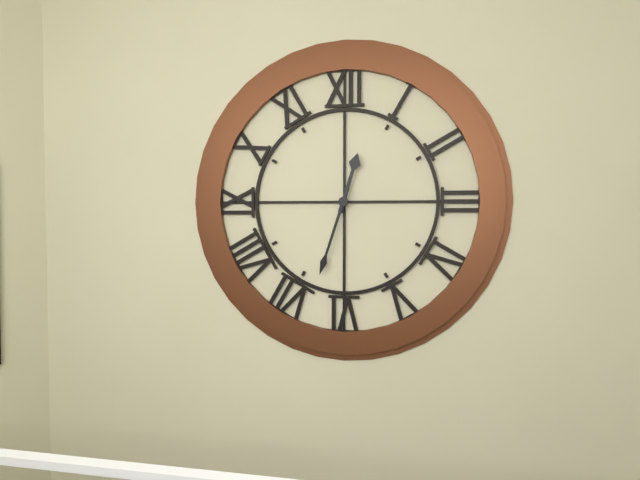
{"hour": 12, "minute": 33}
